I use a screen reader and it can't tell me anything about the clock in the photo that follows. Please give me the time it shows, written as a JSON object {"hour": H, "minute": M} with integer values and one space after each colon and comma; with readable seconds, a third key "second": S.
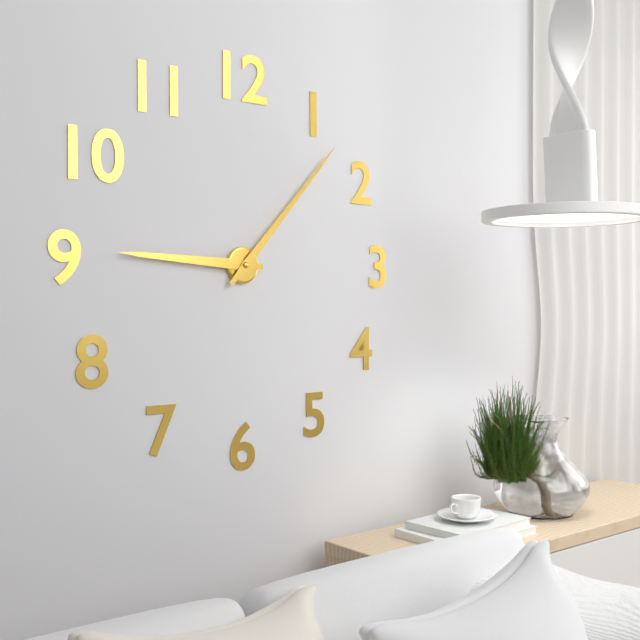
{"hour": 9, "minute": 7}
